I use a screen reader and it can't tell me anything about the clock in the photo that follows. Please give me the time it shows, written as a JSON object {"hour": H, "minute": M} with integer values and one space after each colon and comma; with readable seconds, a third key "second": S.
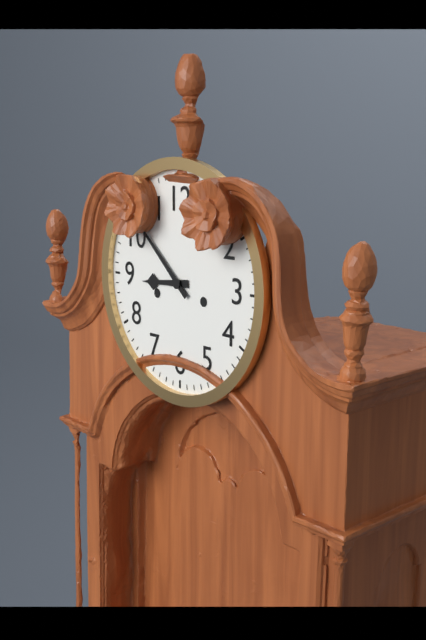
{"hour": 8, "minute": 52}
